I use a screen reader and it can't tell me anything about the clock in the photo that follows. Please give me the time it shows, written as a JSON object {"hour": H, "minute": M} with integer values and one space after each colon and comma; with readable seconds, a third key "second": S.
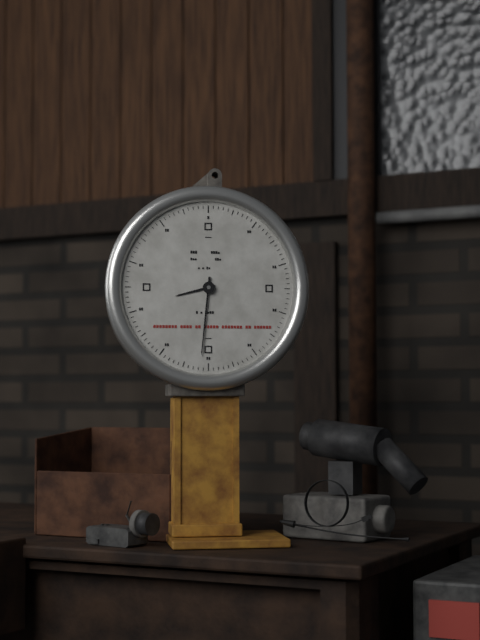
{"hour": 8, "minute": 31}
